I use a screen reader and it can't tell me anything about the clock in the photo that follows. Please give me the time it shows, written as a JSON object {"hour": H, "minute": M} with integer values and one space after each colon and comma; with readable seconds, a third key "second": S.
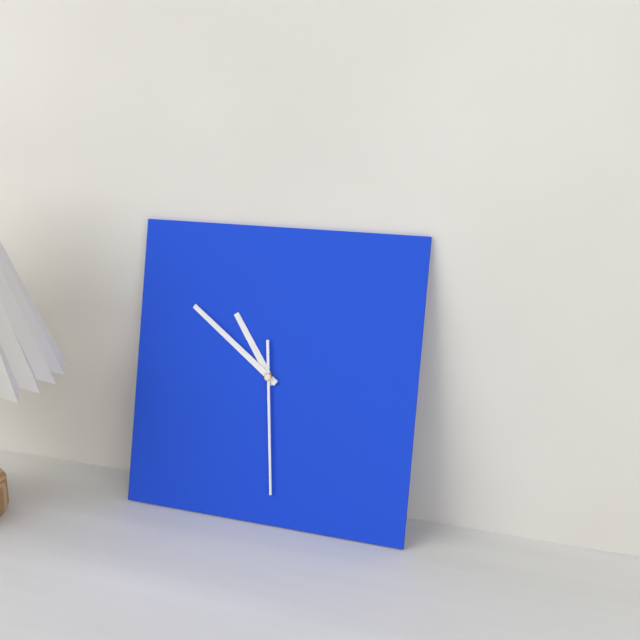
{"hour": 10, "minute": 51, "second": 29}
